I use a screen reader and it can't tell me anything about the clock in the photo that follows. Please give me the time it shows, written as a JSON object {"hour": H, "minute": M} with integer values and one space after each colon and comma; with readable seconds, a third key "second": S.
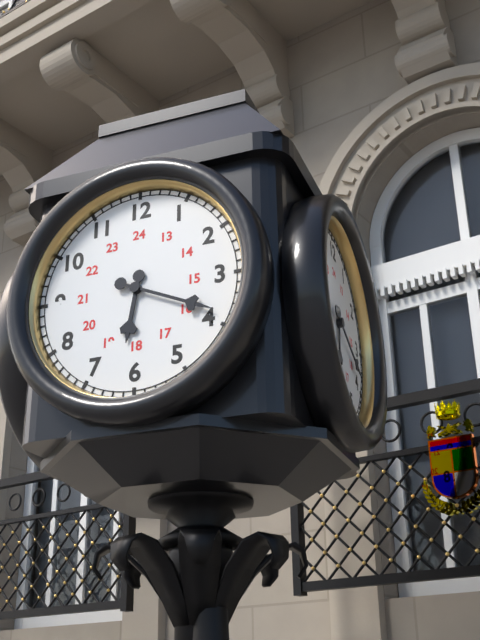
{"hour": 6, "minute": 19}
